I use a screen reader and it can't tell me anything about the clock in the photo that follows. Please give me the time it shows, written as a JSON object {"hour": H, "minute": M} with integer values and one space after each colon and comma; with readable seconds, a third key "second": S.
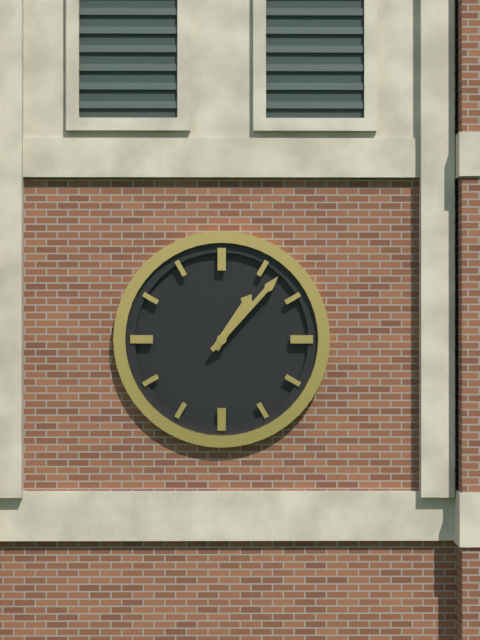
{"hour": 1, "minute": 7}
